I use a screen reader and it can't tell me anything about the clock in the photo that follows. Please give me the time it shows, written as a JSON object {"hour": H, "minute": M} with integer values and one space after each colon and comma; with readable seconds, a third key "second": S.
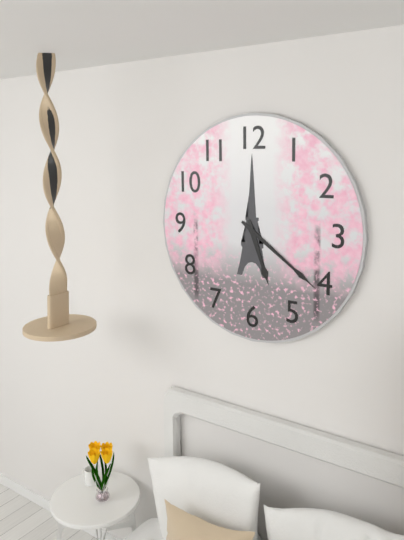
{"hour": 5, "minute": 21}
